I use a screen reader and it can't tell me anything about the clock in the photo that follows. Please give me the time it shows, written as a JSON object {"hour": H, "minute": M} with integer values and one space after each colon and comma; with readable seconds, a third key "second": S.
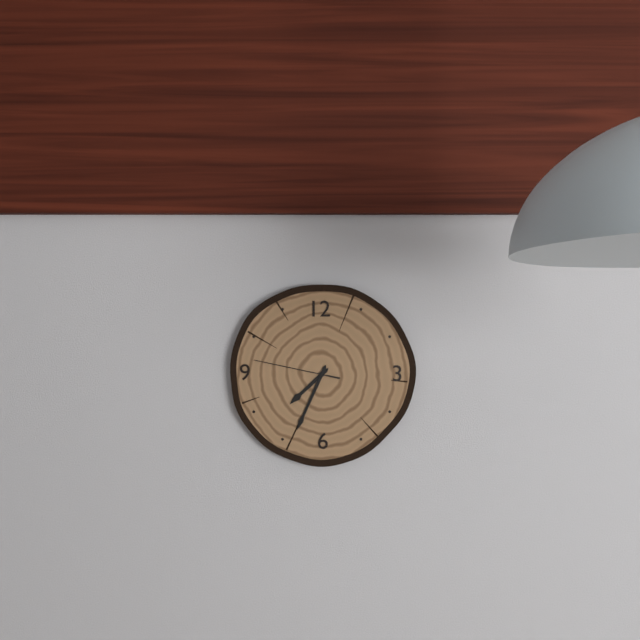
{"hour": 7, "minute": 34, "second": 47}
